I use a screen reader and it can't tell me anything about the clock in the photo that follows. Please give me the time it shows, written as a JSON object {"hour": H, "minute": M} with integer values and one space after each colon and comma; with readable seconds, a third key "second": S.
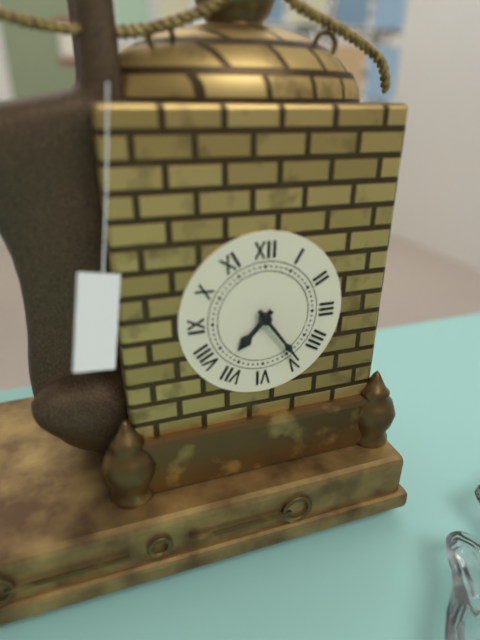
{"hour": 7, "minute": 24}
